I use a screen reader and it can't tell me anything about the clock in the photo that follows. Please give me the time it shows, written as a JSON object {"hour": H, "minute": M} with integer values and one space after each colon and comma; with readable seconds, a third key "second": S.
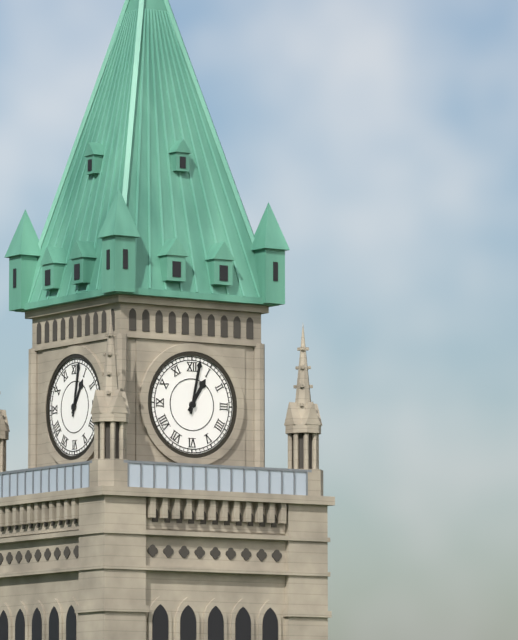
{"hour": 1, "minute": 2}
